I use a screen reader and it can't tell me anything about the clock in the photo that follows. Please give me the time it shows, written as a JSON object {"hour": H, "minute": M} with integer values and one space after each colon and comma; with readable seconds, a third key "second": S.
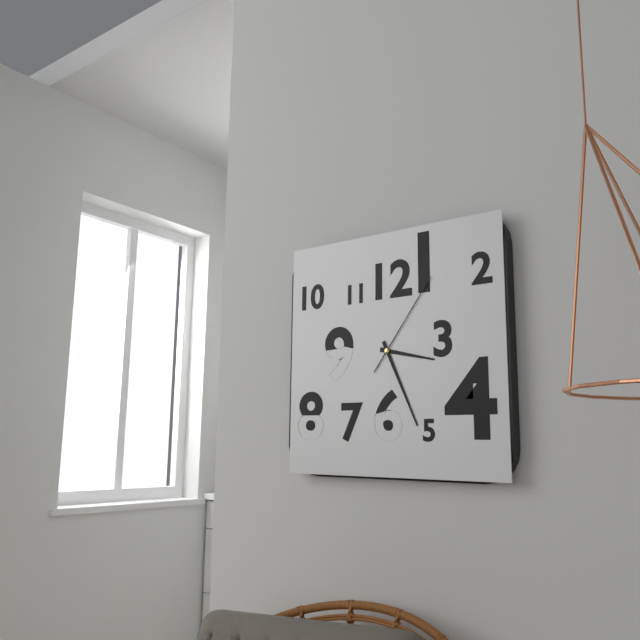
{"hour": 3, "minute": 26, "second": 6}
